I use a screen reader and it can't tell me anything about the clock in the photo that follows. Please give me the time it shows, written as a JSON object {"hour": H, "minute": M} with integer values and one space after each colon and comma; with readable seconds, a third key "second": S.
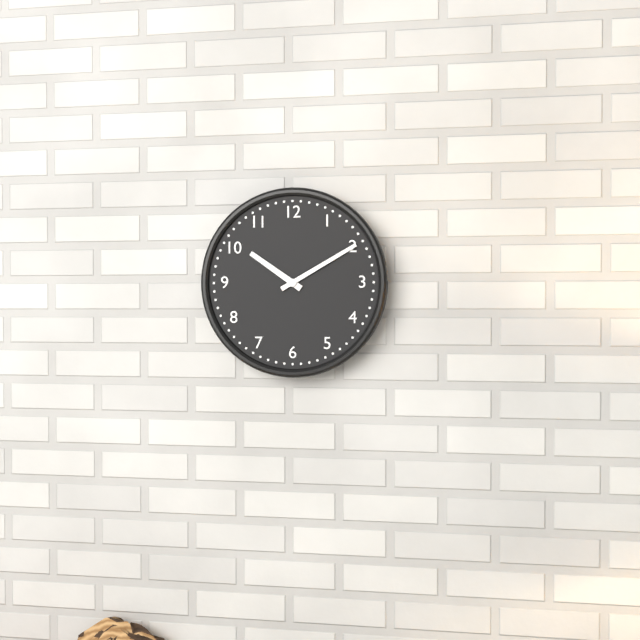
{"hour": 10, "minute": 10}
